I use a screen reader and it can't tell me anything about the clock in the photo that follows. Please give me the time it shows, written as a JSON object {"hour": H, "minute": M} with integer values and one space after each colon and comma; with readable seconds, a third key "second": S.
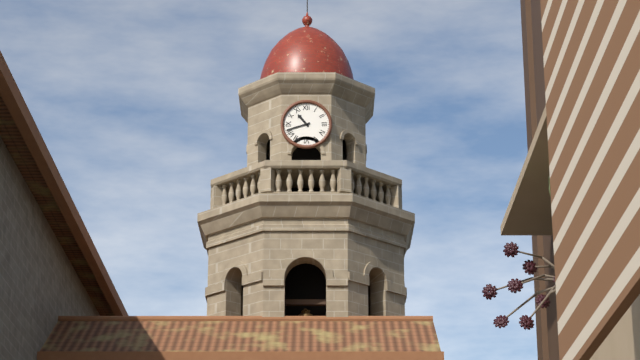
{"hour": 10, "minute": 42}
